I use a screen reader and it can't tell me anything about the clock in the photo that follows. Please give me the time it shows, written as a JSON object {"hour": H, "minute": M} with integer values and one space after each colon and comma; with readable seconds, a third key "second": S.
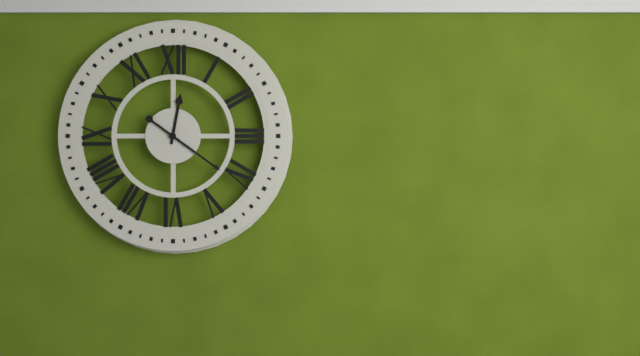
{"hour": 12, "minute": 21}
